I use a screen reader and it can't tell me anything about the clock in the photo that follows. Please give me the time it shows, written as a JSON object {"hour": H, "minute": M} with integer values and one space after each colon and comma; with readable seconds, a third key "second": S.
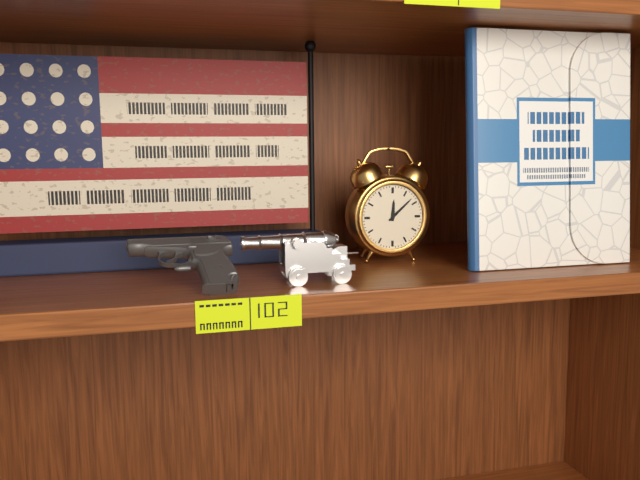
{"hour": 12, "minute": 8}
